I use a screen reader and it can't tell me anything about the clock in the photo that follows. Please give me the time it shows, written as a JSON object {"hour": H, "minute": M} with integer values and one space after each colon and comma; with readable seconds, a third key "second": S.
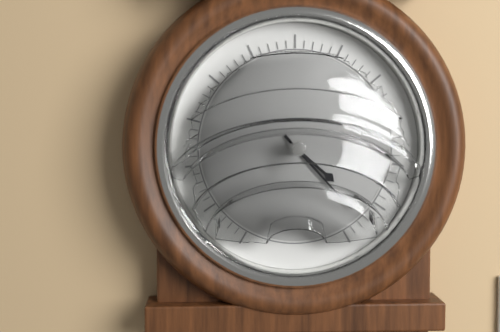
{"hour": 4, "minute": 23}
